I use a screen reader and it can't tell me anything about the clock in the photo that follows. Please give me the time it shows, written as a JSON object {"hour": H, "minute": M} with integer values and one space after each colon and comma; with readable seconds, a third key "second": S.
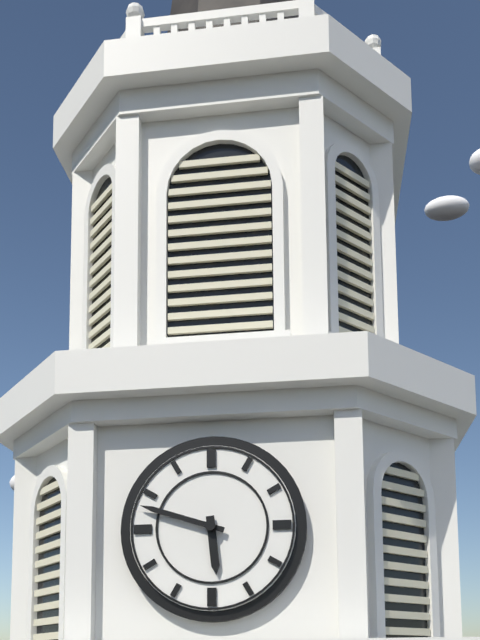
{"hour": 5, "minute": 48}
